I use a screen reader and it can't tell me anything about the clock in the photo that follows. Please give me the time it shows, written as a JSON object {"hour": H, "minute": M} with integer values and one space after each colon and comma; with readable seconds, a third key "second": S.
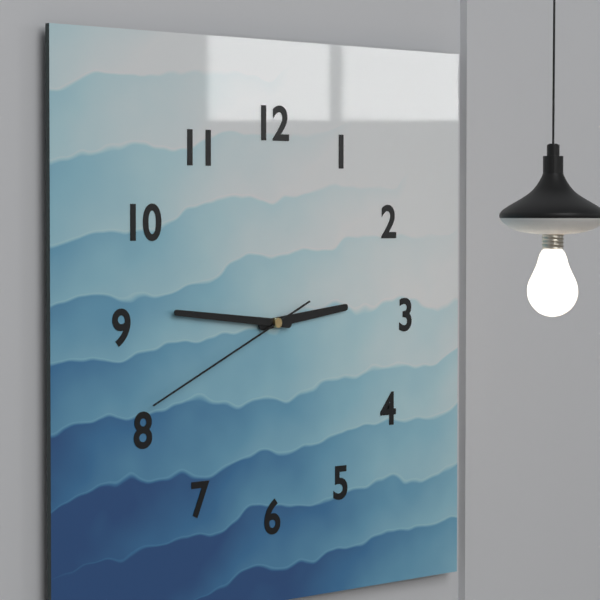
{"hour": 2, "minute": 46, "second": 41}
